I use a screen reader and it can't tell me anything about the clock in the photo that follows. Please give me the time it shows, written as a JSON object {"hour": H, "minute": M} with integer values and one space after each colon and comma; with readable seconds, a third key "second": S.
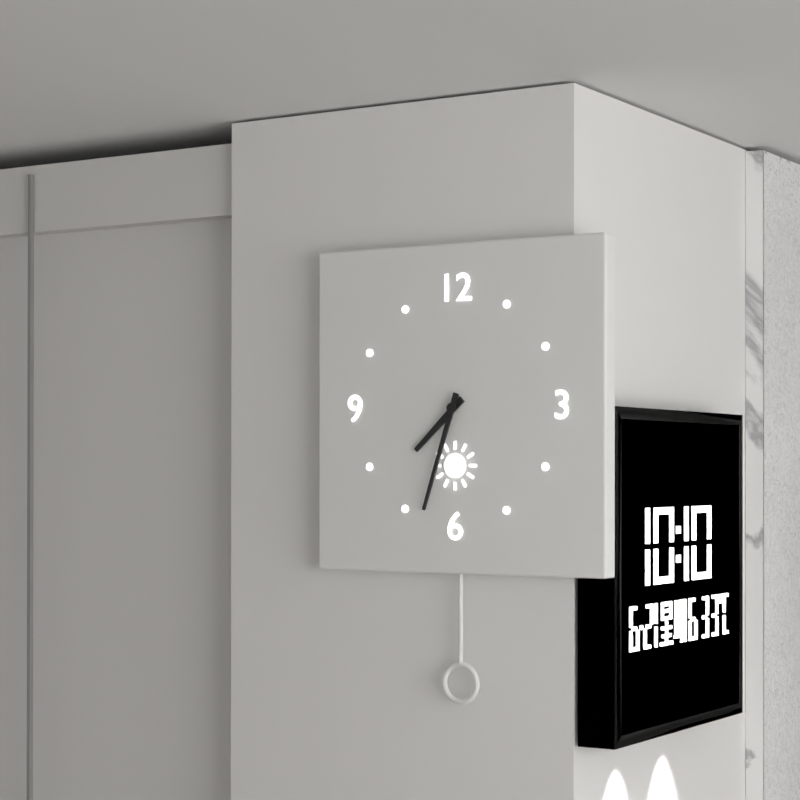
{"hour": 7, "minute": 33}
